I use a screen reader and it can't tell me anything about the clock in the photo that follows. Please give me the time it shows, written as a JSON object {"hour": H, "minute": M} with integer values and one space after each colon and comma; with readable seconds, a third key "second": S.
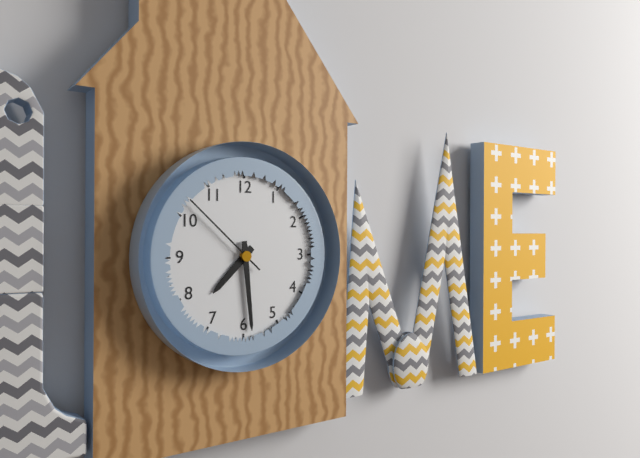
{"hour": 7, "minute": 29, "second": 52}
